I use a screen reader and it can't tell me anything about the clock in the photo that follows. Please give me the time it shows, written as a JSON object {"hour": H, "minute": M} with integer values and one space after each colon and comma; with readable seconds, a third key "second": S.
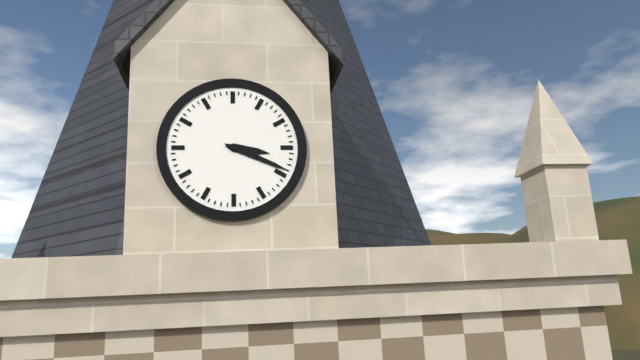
{"hour": 3, "minute": 19}
